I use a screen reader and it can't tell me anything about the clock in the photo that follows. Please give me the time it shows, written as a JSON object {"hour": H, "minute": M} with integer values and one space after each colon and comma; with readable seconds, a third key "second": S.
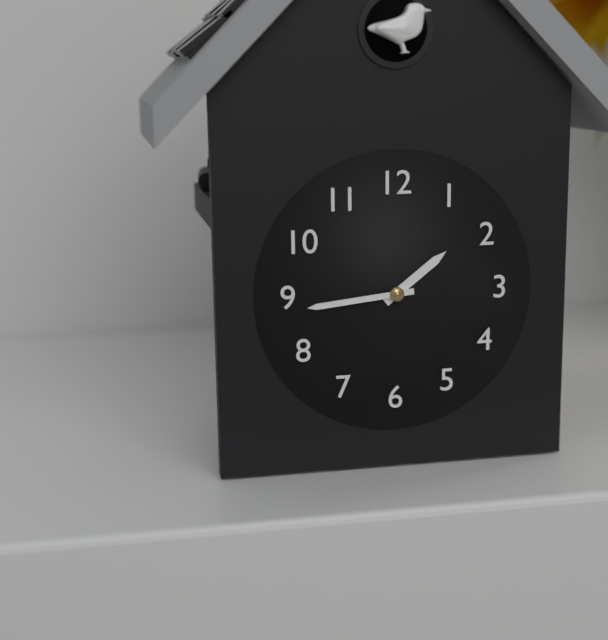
{"hour": 1, "minute": 44}
